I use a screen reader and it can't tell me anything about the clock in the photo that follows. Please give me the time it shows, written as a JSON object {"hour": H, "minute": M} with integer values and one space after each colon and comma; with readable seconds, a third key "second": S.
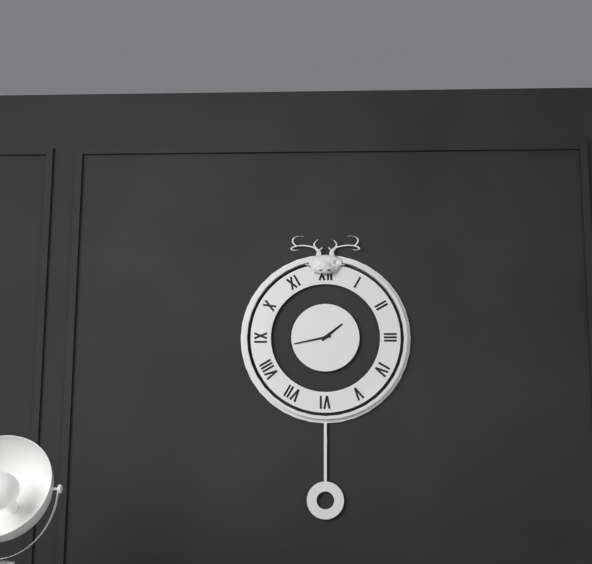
{"hour": 1, "minute": 43}
